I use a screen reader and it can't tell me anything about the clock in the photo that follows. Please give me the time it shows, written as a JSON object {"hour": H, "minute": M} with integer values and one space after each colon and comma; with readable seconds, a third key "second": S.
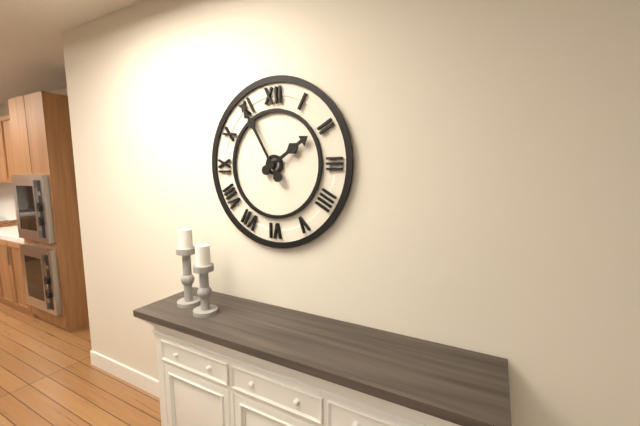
{"hour": 1, "minute": 55}
